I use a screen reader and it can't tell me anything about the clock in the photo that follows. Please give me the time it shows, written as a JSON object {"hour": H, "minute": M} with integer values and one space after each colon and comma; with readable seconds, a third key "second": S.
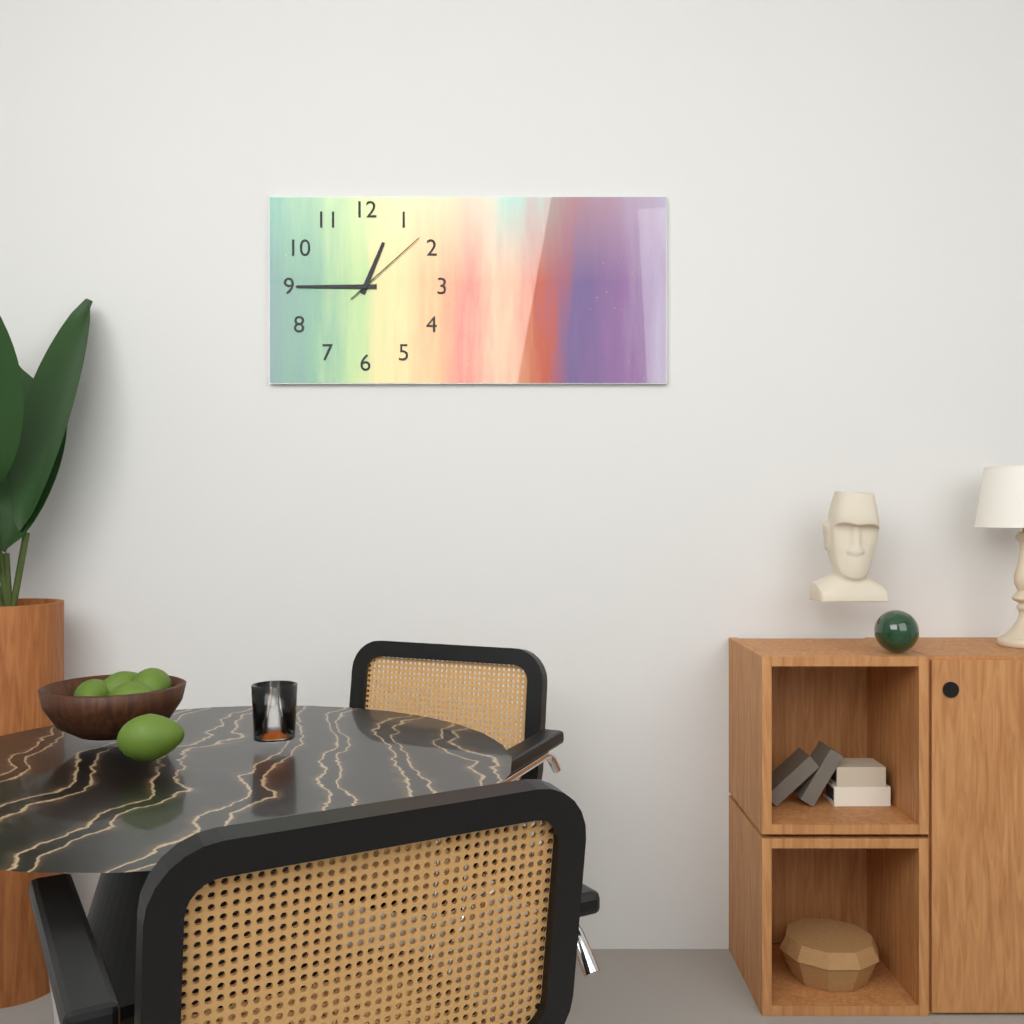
{"hour": 12, "minute": 45, "second": 8}
